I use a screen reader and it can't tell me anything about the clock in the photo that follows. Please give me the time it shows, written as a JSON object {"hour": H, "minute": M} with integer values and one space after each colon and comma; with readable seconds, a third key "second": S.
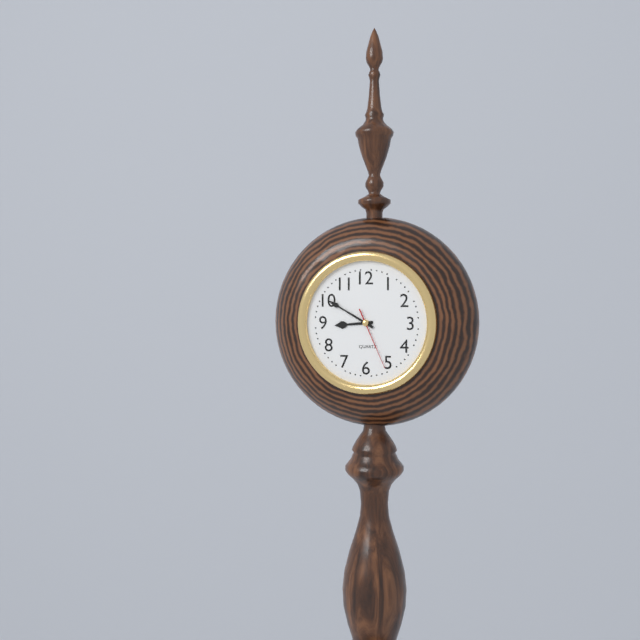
{"hour": 8, "minute": 50, "second": 26}
